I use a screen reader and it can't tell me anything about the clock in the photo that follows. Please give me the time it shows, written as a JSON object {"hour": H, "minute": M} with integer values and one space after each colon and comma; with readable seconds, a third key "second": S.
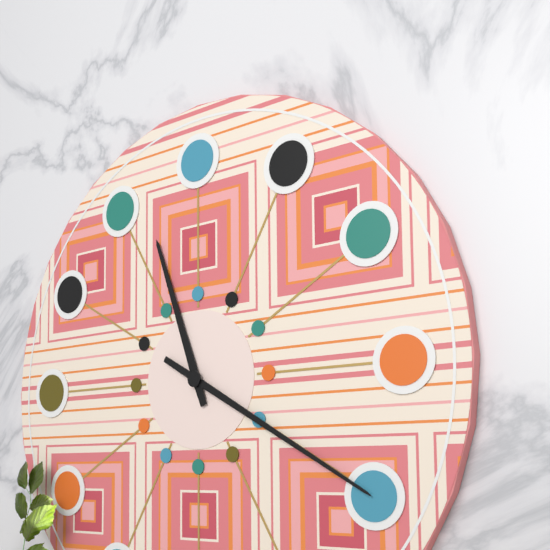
{"hour": 11, "minute": 20}
